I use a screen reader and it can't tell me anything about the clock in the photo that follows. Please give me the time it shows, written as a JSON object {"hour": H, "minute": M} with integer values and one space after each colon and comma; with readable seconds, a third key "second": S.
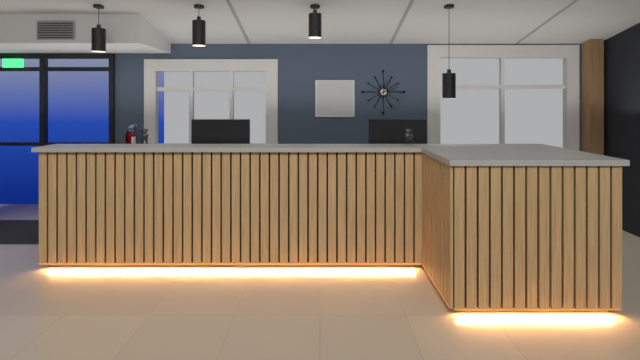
{"hour": 12, "minute": 12}
